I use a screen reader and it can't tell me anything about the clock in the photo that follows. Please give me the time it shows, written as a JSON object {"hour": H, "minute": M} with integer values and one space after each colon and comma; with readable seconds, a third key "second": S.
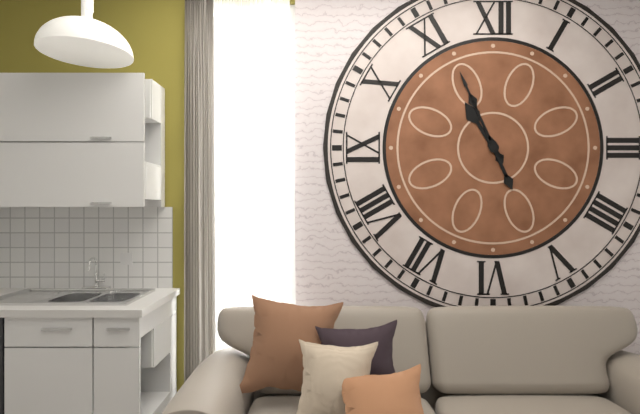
{"hour": 10, "minute": 56}
